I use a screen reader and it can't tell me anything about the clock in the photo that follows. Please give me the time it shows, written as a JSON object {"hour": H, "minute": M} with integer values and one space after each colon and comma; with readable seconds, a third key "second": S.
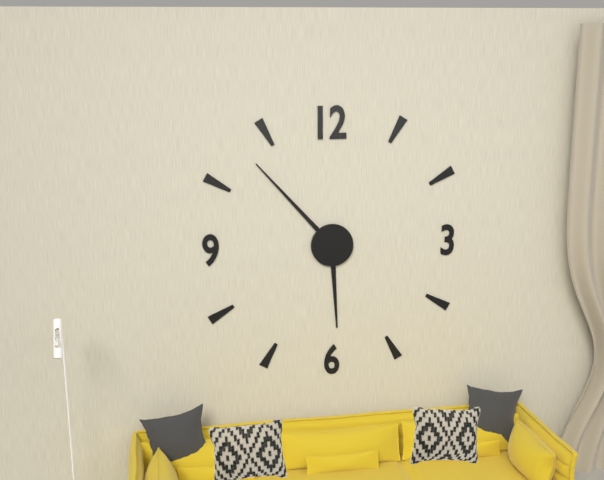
{"hour": 5, "minute": 53}
